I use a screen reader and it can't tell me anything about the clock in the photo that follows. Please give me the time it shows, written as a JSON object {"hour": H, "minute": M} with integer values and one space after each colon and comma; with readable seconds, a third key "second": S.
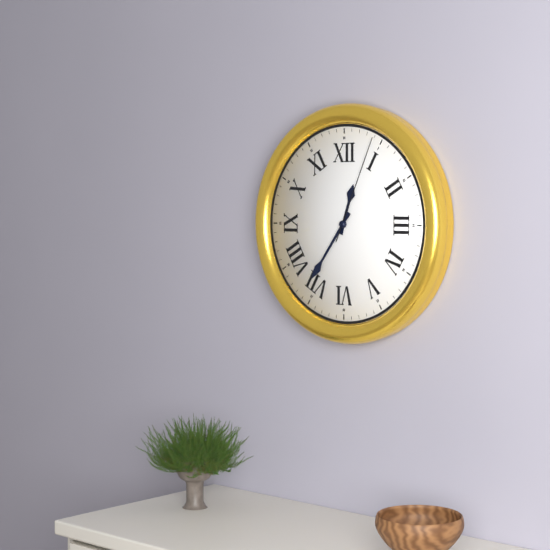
{"hour": 12, "minute": 36, "second": 4}
